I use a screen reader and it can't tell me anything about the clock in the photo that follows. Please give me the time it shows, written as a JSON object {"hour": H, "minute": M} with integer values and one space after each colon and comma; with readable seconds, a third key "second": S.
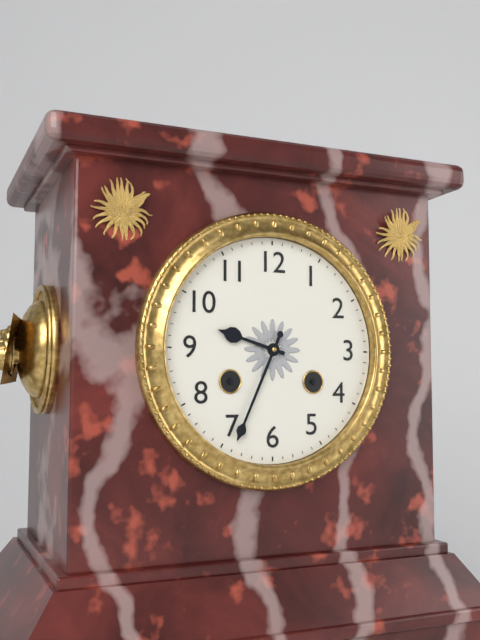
{"hour": 9, "minute": 34}
